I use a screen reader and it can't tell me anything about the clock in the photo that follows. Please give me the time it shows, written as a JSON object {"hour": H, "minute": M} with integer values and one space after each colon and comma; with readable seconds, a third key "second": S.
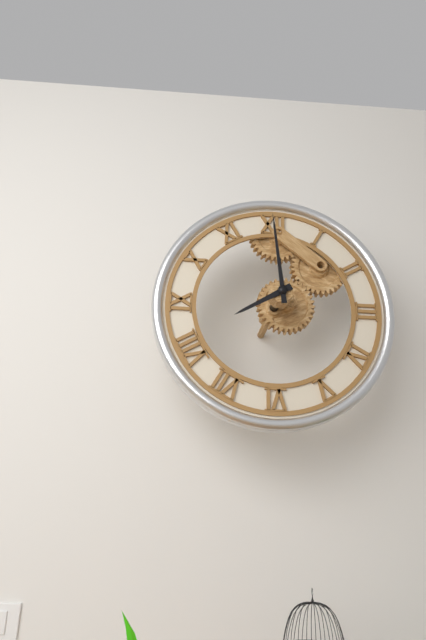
{"hour": 7, "minute": 59}
